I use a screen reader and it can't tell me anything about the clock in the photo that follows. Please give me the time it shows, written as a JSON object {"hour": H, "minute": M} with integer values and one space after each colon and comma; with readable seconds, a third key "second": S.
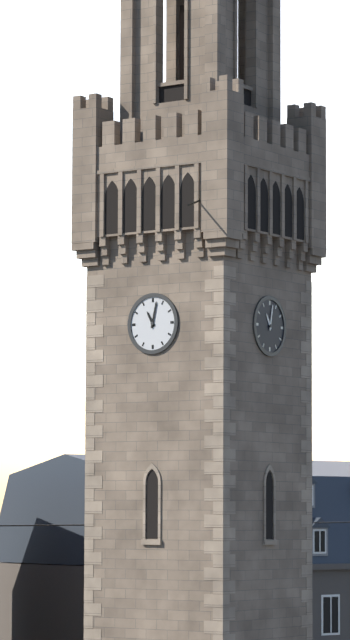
{"hour": 11, "minute": 2}
